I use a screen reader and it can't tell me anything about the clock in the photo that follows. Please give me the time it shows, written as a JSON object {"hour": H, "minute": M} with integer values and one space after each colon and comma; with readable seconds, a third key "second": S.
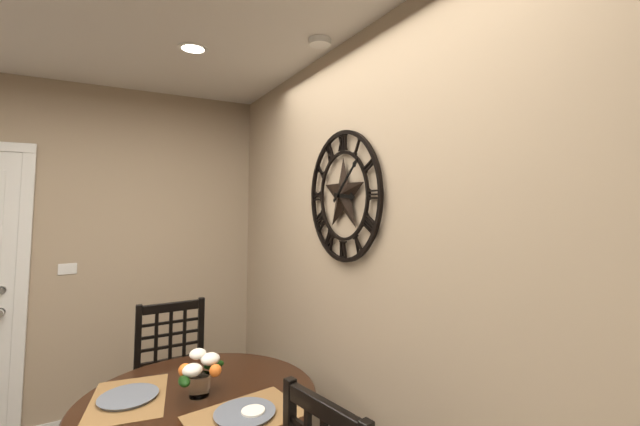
{"hour": 3, "minute": 8}
